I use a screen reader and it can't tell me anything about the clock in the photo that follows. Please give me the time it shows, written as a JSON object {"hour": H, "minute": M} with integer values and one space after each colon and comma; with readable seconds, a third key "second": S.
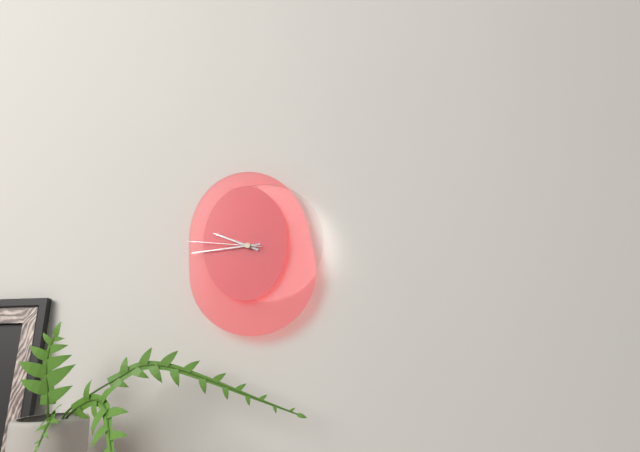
{"hour": 9, "minute": 44, "second": 46}
